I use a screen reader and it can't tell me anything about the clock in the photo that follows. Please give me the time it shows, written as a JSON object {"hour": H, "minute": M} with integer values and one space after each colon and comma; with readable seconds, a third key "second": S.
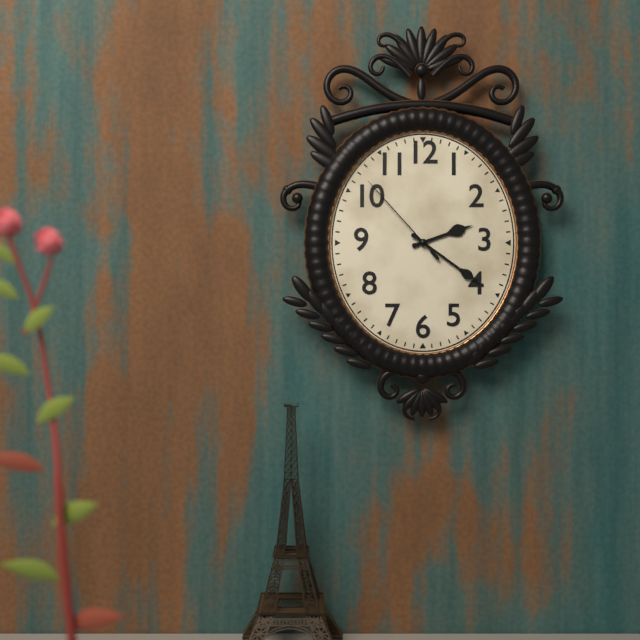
{"hour": 2, "minute": 21, "second": 53}
